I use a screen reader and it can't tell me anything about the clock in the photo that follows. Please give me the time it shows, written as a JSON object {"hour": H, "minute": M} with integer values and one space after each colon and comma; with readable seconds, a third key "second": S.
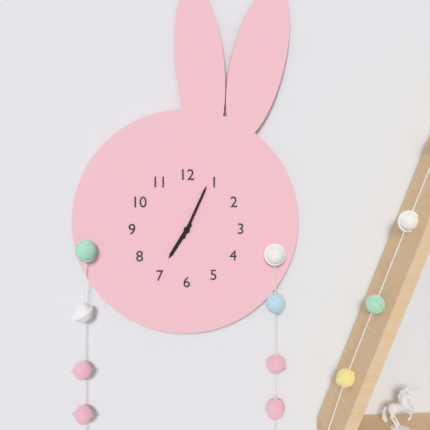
{"hour": 7, "minute": 4}
